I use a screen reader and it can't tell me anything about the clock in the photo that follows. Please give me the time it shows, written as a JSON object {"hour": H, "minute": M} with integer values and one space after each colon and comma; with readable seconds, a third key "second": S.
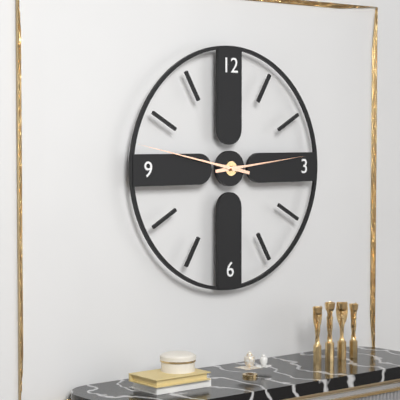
{"hour": 2, "minute": 47}
